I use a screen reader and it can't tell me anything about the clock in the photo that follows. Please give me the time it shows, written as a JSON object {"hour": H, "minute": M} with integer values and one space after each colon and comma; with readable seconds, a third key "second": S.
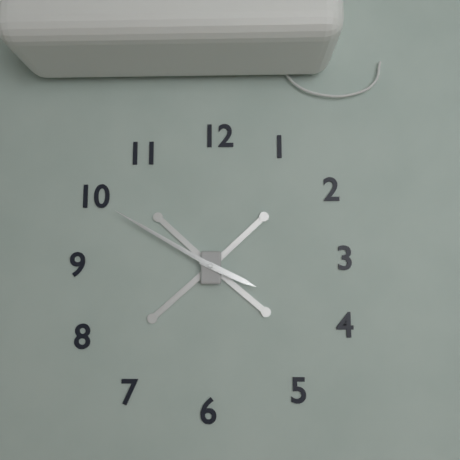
{"hour": 3, "minute": 50, "second": 50}
